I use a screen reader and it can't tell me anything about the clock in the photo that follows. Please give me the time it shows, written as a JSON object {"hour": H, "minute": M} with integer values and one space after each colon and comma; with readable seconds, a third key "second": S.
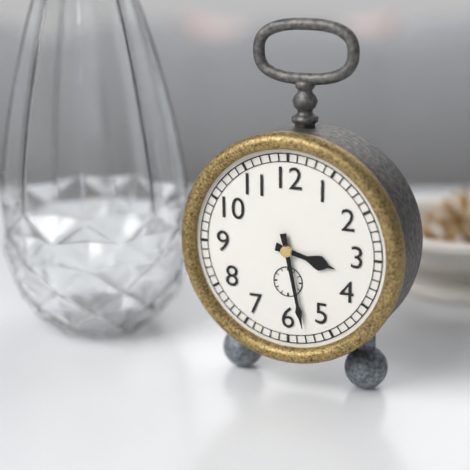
{"hour": 3, "minute": 28}
